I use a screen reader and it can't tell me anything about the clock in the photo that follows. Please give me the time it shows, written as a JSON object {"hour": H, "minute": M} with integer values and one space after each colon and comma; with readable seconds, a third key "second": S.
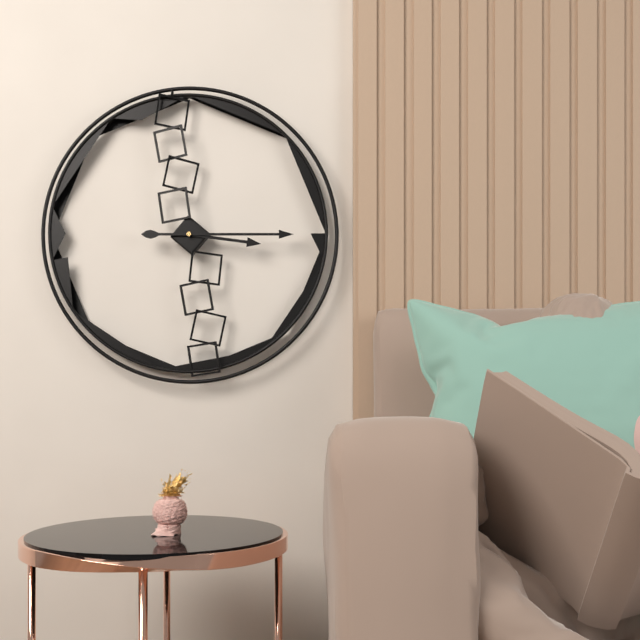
{"hour": 3, "minute": 15}
